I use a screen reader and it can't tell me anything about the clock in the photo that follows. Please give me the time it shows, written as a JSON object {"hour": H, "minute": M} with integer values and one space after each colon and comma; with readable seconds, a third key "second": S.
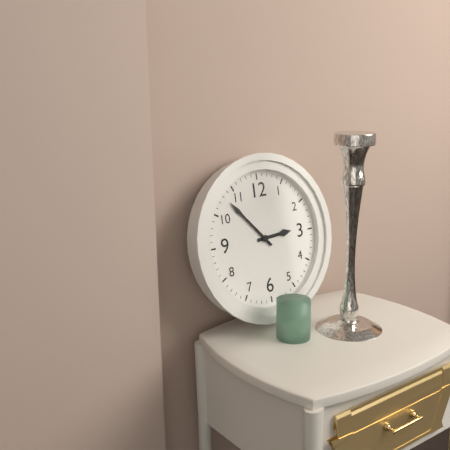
{"hour": 2, "minute": 53}
